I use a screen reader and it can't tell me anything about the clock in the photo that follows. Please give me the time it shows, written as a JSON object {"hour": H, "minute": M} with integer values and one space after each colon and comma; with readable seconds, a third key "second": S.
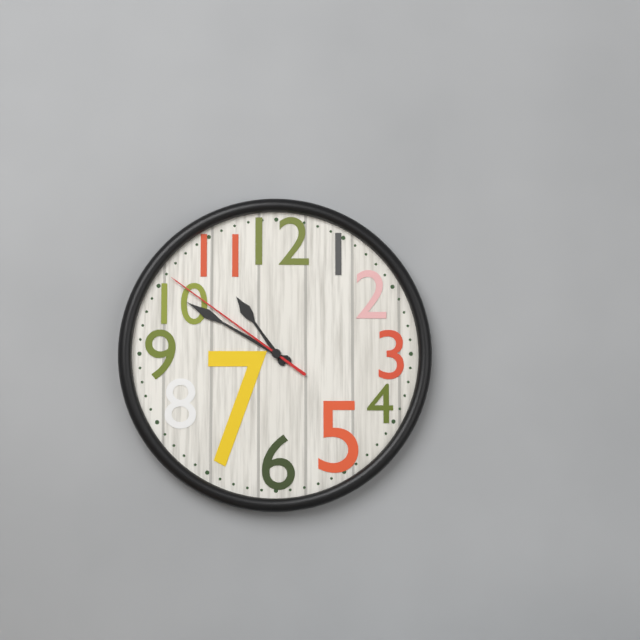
{"hour": 10, "minute": 50, "second": 51}
